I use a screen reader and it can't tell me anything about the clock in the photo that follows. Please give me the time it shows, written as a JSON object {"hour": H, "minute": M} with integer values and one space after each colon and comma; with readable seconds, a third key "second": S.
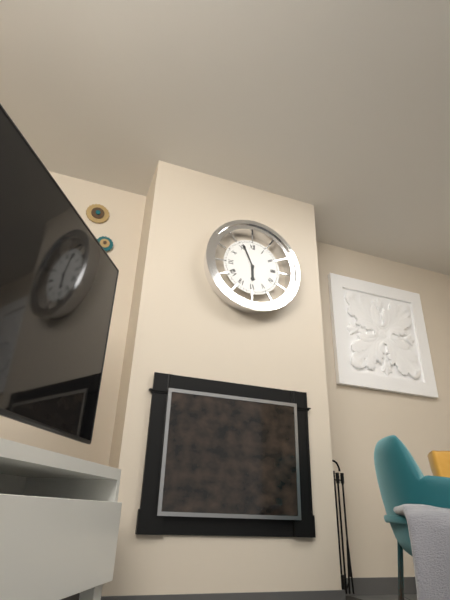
{"hour": 5, "minute": 56}
